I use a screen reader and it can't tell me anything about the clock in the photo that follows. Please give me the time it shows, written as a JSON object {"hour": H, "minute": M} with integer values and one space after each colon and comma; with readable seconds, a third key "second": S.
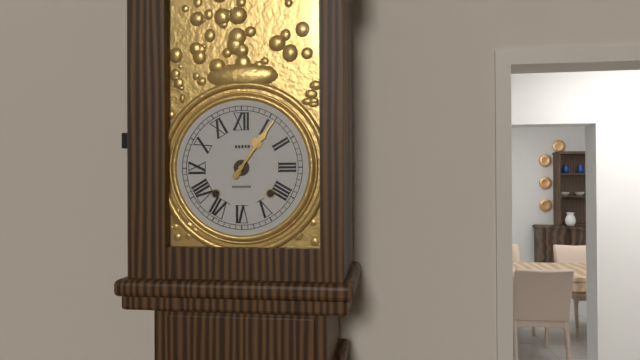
{"hour": 1, "minute": 6}
